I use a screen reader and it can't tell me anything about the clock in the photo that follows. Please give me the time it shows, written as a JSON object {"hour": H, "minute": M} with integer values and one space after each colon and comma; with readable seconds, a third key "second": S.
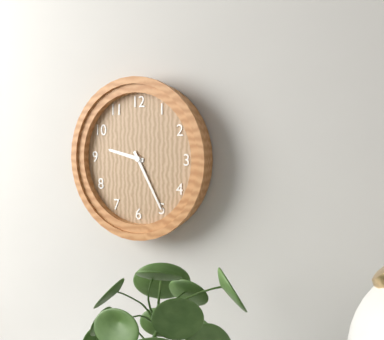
{"hour": 9, "minute": 25}
